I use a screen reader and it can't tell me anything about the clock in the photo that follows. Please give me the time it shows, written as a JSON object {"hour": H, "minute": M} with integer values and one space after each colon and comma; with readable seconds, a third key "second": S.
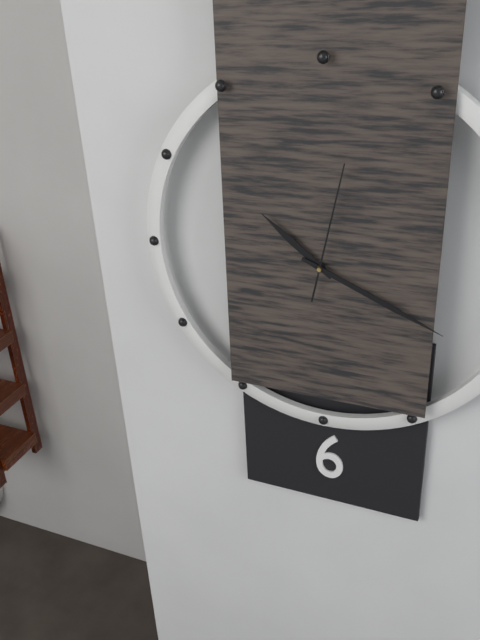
{"hour": 10, "minute": 19, "second": 2}
